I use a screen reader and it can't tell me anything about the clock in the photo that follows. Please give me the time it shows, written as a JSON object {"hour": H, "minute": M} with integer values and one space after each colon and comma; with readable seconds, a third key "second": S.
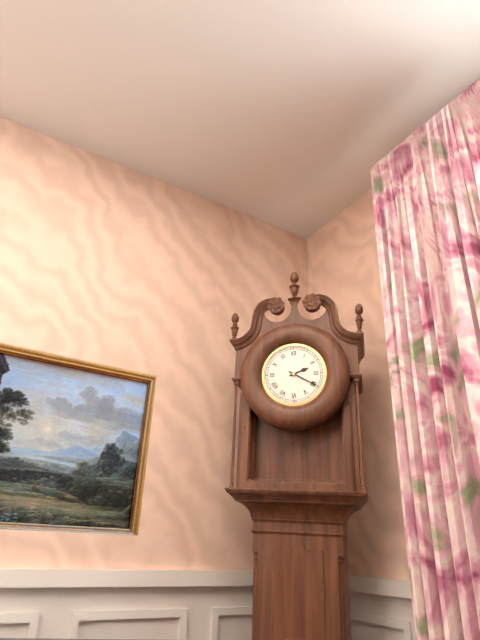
{"hour": 2, "minute": 20}
